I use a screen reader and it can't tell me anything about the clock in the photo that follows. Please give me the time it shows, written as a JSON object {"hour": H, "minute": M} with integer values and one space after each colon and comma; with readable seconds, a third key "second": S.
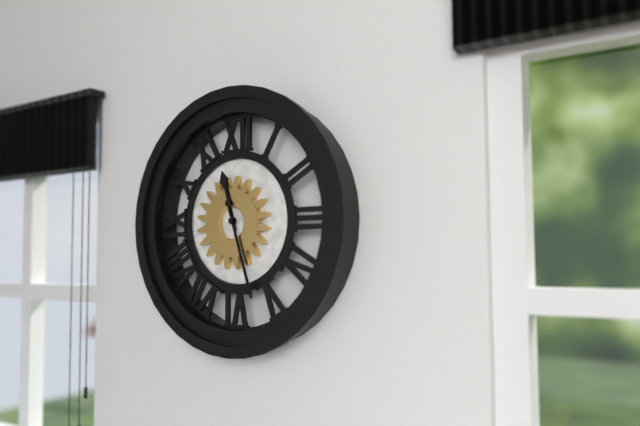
{"hour": 11, "minute": 27}
